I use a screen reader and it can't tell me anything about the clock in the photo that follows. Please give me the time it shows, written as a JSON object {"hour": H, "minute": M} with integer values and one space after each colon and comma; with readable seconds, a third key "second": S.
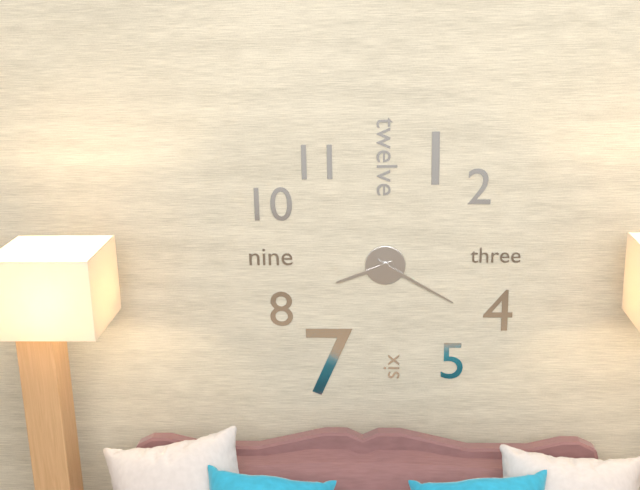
{"hour": 8, "minute": 20}
